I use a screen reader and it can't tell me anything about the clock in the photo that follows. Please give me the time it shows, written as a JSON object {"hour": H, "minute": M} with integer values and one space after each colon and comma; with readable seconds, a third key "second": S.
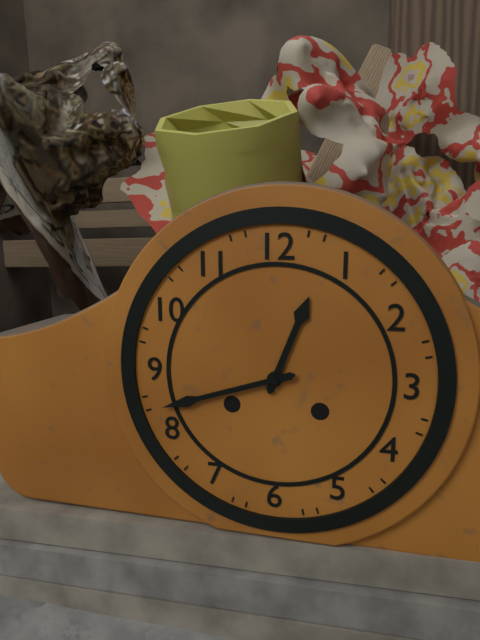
{"hour": 12, "minute": 42}
